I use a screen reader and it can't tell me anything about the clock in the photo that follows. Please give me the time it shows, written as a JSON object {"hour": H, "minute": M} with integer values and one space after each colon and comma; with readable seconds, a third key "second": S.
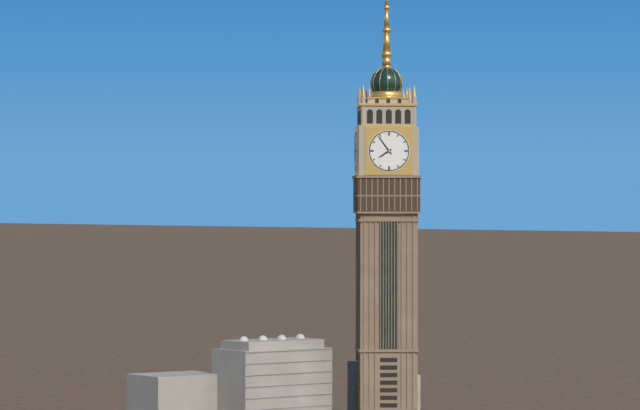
{"hour": 7, "minute": 54}
